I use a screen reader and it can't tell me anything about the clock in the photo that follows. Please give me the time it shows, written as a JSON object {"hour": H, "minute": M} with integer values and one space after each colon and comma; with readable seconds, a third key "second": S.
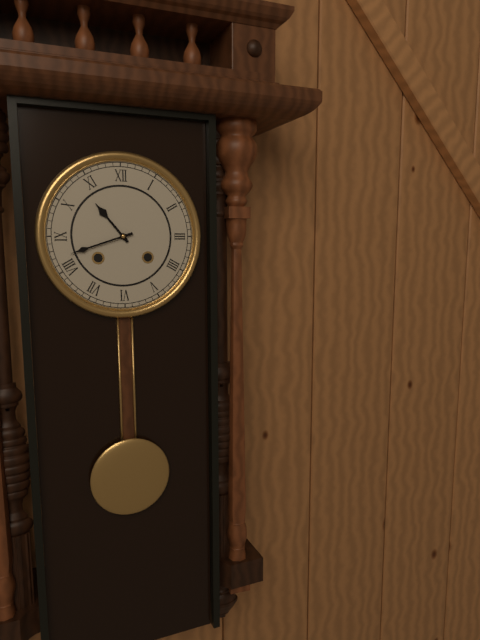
{"hour": 10, "minute": 42}
